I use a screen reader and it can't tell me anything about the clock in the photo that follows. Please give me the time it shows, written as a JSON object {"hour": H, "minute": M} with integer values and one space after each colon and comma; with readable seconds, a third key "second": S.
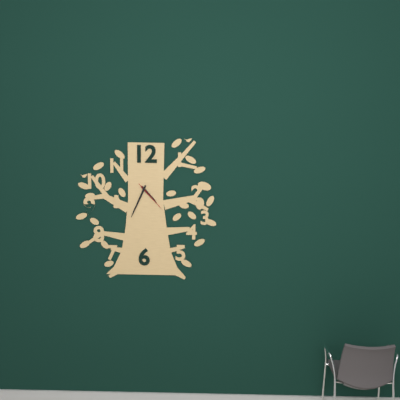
{"hour": 4, "minute": 34}
